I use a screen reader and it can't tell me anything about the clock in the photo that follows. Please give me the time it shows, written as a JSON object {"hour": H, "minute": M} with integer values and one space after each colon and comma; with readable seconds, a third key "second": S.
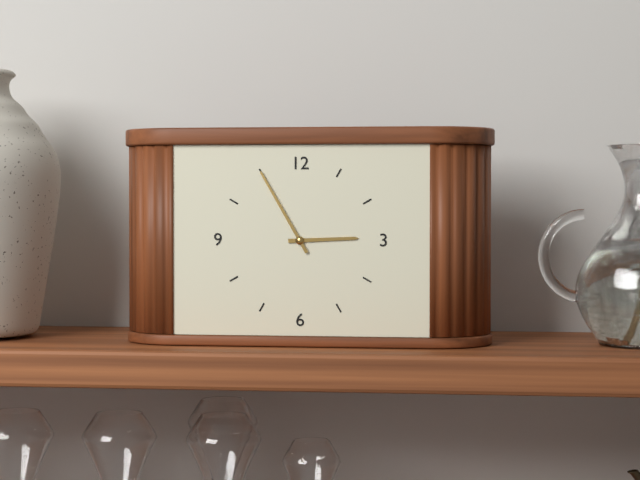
{"hour": 2, "minute": 55}
